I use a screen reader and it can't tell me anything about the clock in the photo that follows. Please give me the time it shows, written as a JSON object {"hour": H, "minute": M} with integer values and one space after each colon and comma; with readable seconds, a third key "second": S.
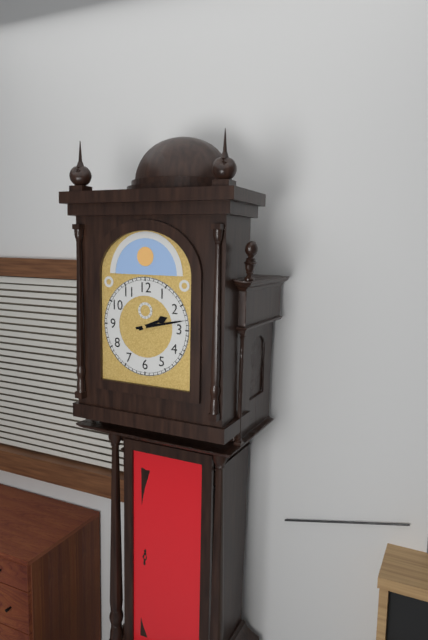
{"hour": 2, "minute": 13}
